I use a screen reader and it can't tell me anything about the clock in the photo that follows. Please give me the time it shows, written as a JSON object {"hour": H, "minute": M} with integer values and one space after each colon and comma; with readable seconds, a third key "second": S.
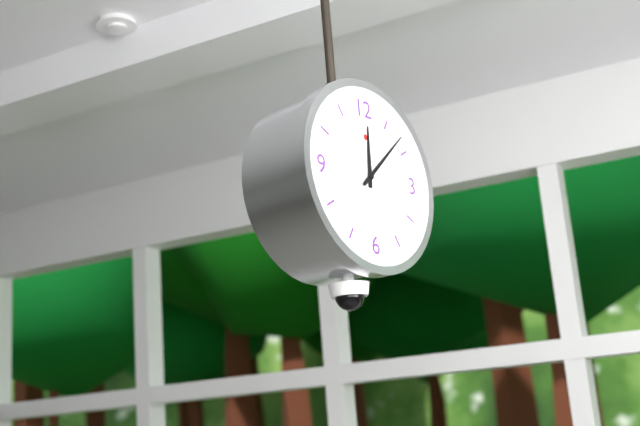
{"hour": 12, "minute": 8}
